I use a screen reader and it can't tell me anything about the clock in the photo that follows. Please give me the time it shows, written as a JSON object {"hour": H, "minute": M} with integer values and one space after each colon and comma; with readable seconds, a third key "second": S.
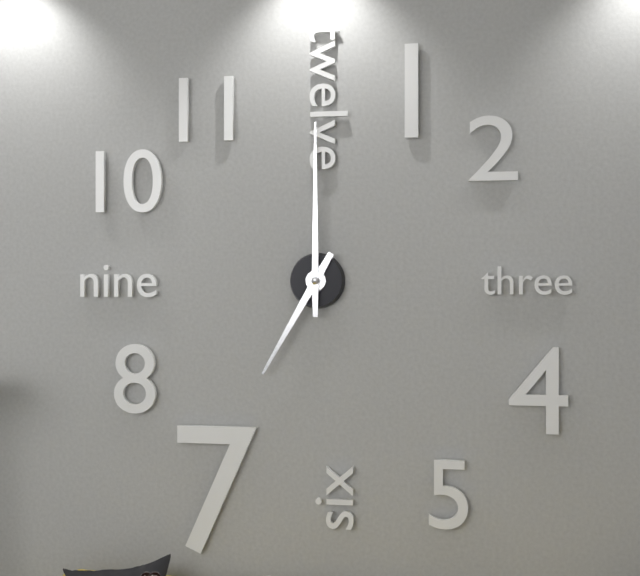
{"hour": 7, "minute": 0}
